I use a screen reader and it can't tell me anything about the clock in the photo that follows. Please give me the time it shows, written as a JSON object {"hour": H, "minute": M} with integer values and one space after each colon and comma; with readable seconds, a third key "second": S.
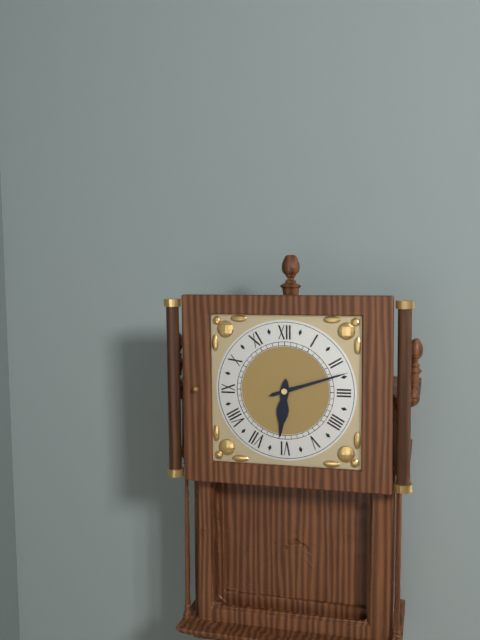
{"hour": 6, "minute": 12}
